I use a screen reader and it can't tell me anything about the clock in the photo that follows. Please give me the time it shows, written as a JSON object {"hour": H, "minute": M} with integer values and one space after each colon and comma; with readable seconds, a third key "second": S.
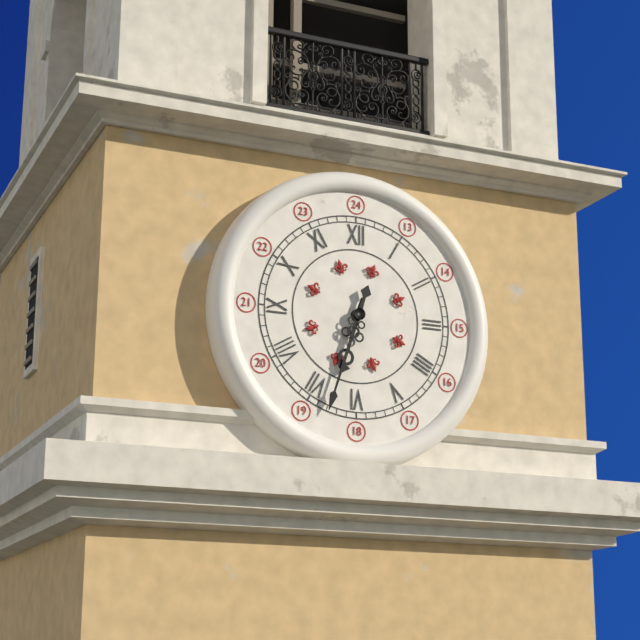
{"hour": 6, "minute": 33}
